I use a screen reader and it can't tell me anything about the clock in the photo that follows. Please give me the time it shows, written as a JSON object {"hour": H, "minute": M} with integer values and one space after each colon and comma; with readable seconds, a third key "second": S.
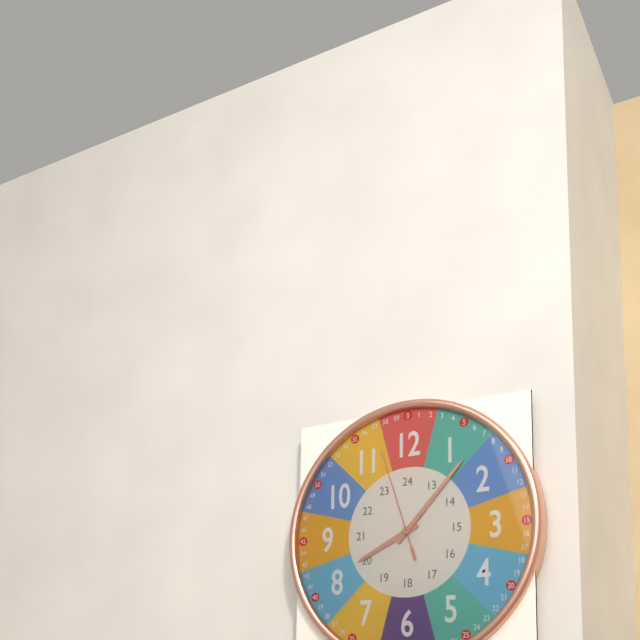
{"hour": 8, "minute": 7, "second": 57}
